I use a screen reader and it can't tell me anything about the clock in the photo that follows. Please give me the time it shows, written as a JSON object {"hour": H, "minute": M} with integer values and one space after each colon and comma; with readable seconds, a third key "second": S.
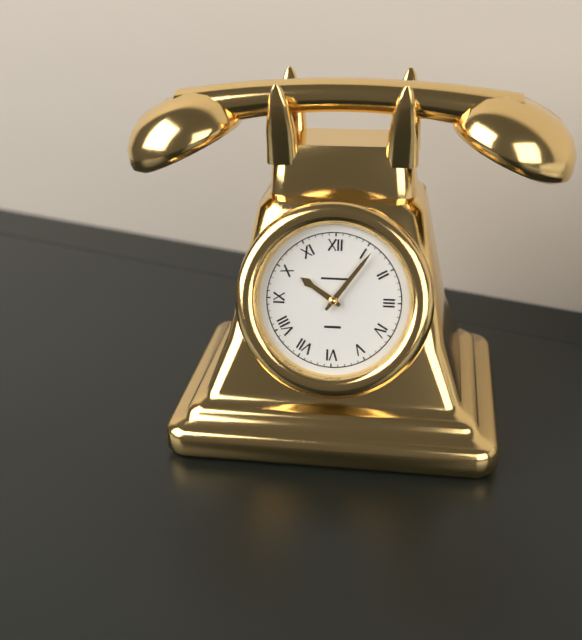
{"hour": 10, "minute": 6}
